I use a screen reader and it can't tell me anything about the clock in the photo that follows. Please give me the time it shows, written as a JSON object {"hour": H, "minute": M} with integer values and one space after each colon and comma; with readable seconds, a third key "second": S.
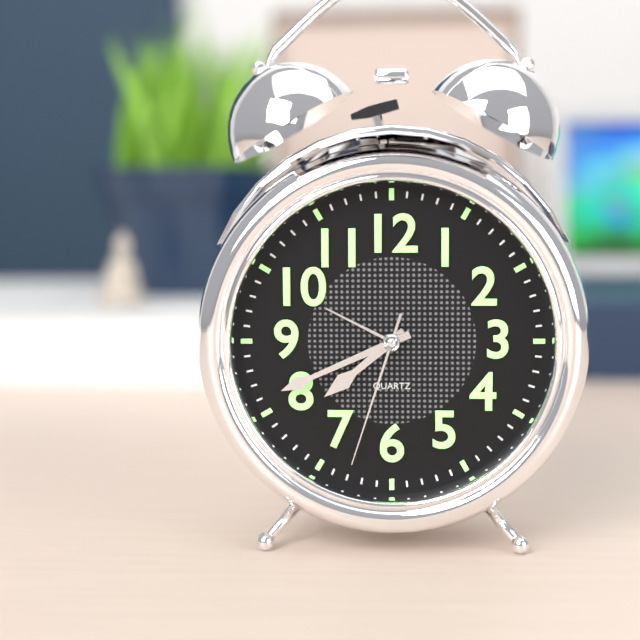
{"hour": 7, "minute": 41, "second": 33}
